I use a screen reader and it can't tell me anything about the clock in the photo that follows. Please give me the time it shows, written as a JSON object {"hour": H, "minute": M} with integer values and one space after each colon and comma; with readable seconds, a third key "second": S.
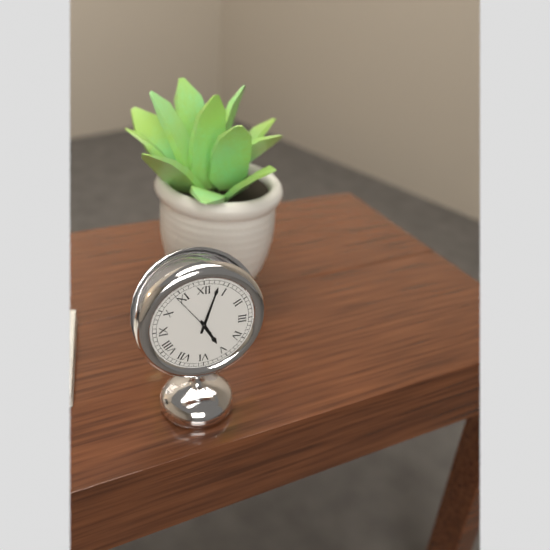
{"hour": 5, "minute": 3}
